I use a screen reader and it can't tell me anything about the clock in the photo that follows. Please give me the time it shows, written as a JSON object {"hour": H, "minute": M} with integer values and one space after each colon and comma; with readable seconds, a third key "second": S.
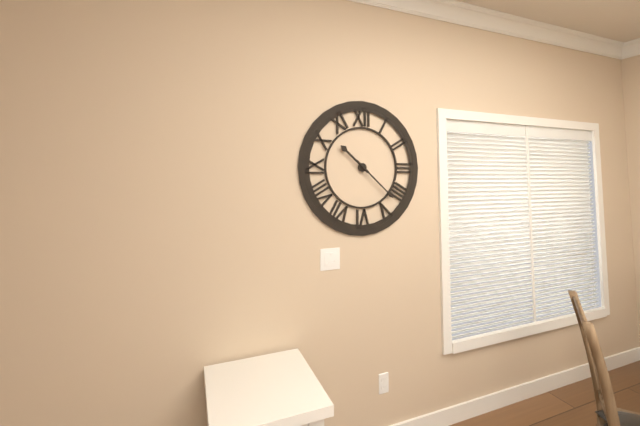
{"hour": 10, "minute": 22}
